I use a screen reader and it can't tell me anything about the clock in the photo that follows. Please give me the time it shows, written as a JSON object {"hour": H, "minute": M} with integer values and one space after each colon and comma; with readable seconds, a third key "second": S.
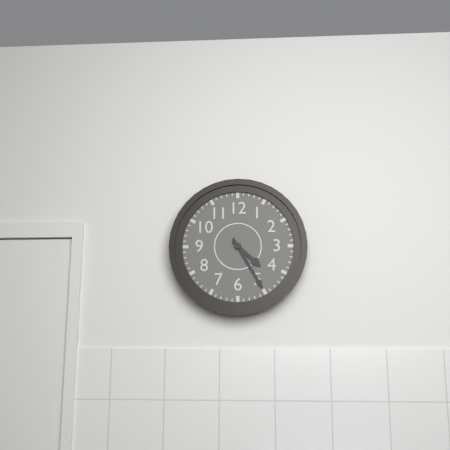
{"hour": 4, "minute": 25}
